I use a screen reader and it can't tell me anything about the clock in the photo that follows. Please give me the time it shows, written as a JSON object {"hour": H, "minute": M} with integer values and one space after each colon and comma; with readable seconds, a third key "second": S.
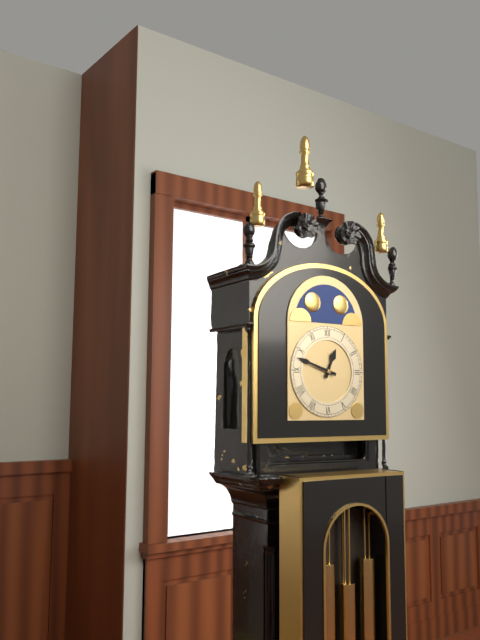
{"hour": 12, "minute": 48}
